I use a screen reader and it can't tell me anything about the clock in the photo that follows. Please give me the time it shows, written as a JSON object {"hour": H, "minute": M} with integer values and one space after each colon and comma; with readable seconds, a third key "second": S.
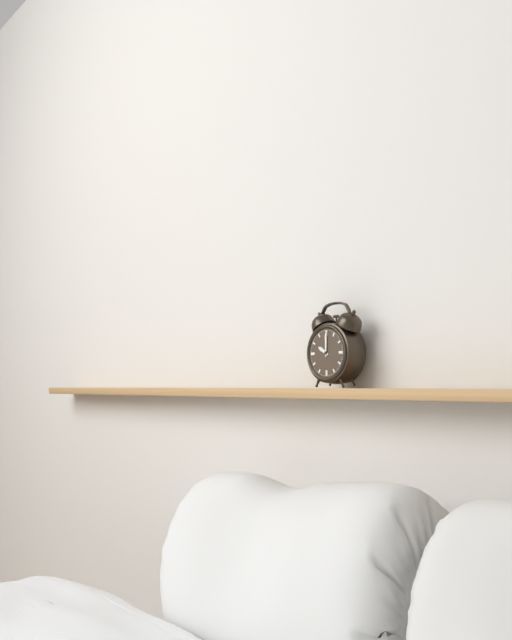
{"hour": 10, "minute": 0}
